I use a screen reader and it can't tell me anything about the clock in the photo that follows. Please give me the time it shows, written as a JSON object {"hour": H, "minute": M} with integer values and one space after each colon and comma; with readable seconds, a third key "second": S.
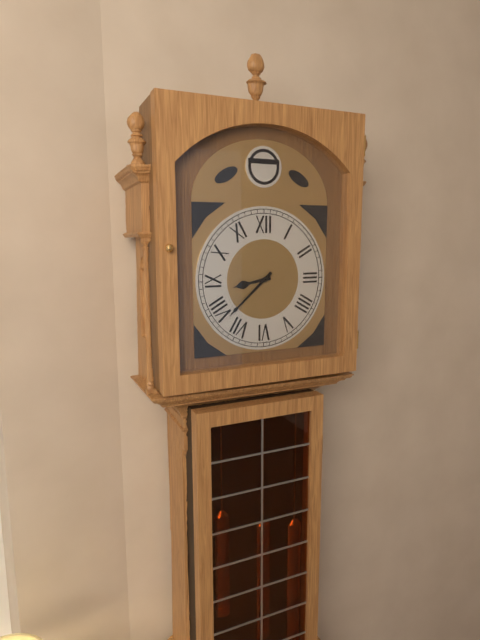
{"hour": 8, "minute": 38}
